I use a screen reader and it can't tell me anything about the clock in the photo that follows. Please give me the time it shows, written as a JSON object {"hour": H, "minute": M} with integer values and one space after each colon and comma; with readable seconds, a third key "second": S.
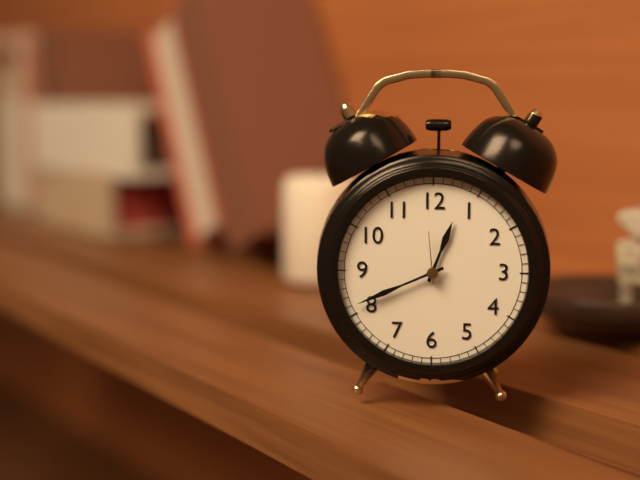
{"hour": 12, "minute": 41, "second": 59}
